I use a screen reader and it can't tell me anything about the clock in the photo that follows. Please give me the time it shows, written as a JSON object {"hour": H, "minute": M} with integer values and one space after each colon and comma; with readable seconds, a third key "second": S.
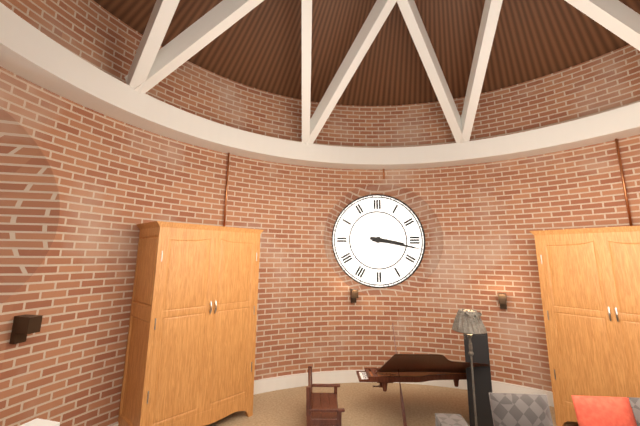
{"hour": 3, "minute": 17}
